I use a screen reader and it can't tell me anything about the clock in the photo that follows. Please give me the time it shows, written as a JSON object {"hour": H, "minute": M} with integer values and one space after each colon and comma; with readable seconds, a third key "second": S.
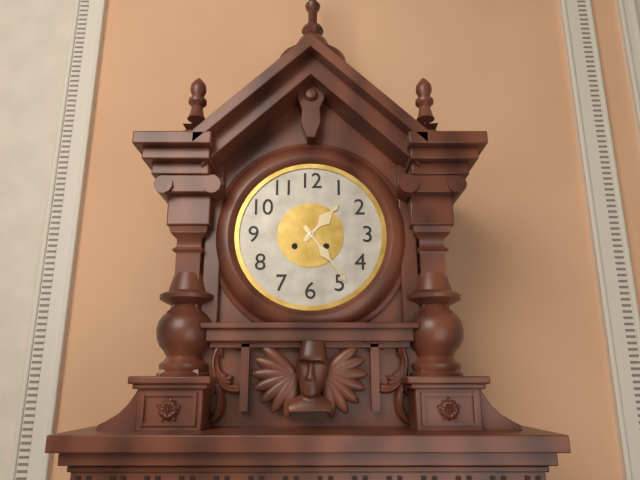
{"hour": 1, "minute": 24}
